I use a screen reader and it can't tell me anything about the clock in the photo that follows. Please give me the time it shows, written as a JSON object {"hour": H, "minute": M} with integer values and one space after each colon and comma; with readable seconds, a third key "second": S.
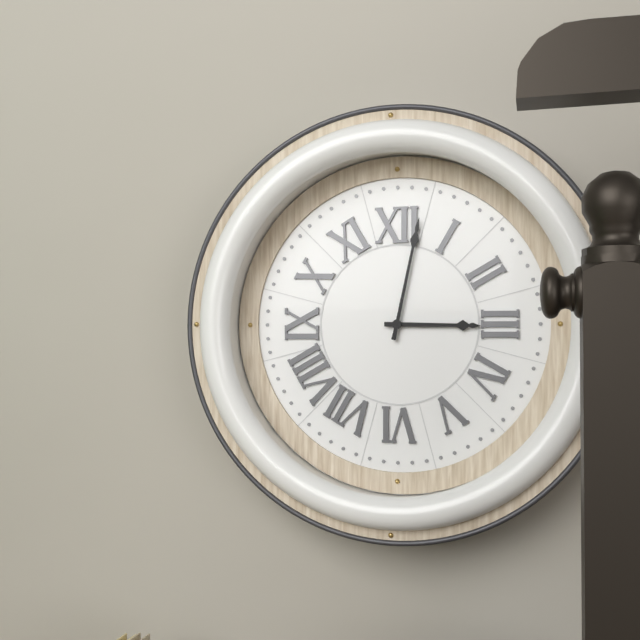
{"hour": 3, "minute": 2}
